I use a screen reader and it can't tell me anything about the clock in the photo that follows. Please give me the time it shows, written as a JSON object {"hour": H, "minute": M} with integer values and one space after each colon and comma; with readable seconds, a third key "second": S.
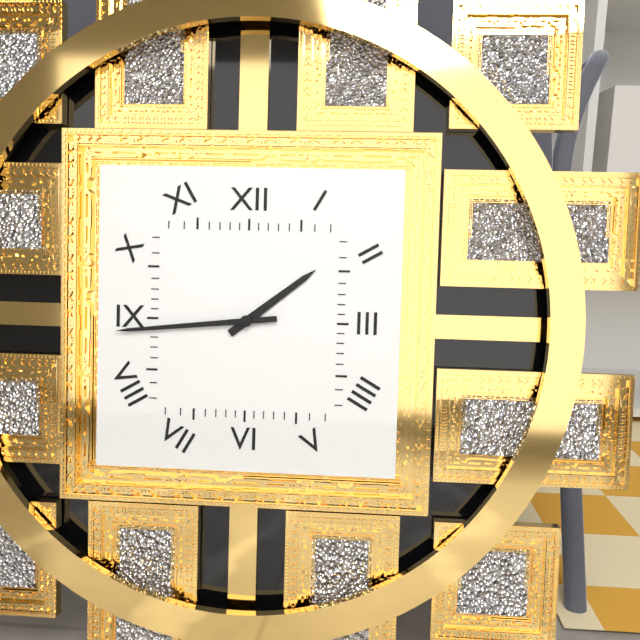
{"hour": 1, "minute": 44}
